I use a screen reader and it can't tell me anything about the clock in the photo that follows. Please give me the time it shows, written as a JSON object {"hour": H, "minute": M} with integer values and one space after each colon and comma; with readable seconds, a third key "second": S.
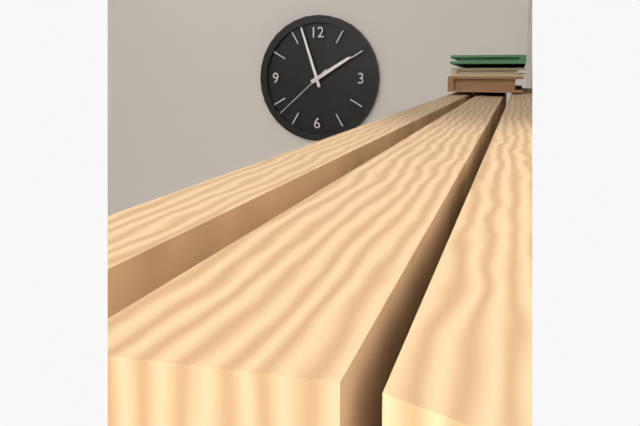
{"hour": 1, "minute": 57, "second": 38}
